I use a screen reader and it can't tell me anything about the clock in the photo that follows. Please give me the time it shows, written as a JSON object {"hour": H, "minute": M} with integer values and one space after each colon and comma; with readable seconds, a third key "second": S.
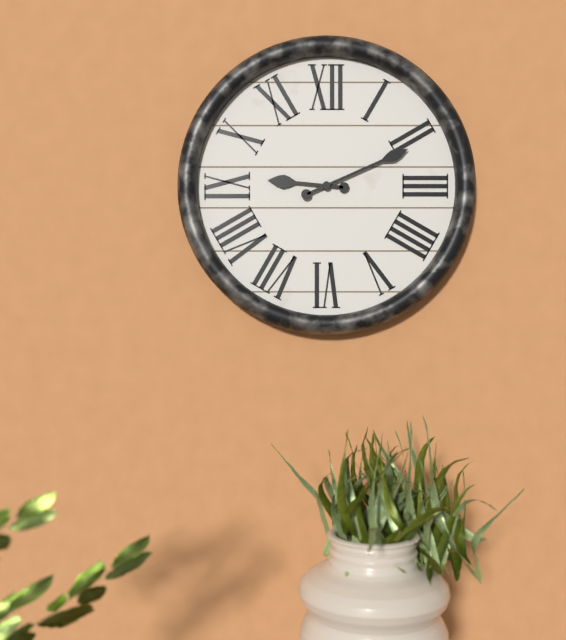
{"hour": 9, "minute": 11}
